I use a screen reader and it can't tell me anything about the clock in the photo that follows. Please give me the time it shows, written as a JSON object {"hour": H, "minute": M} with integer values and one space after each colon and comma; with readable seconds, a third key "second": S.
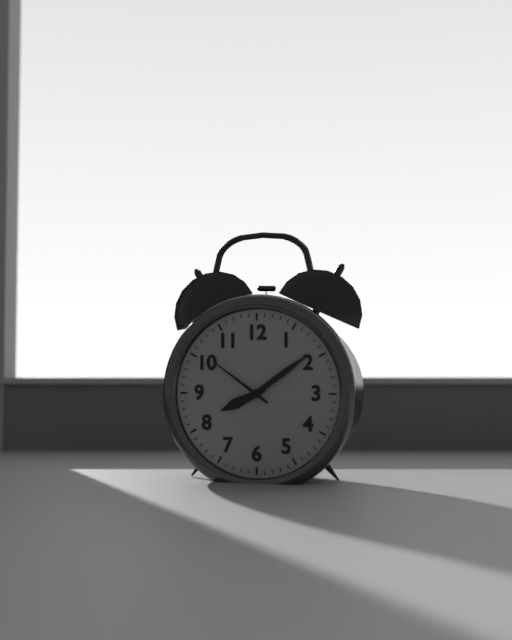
{"hour": 8, "minute": 9, "second": 51}
